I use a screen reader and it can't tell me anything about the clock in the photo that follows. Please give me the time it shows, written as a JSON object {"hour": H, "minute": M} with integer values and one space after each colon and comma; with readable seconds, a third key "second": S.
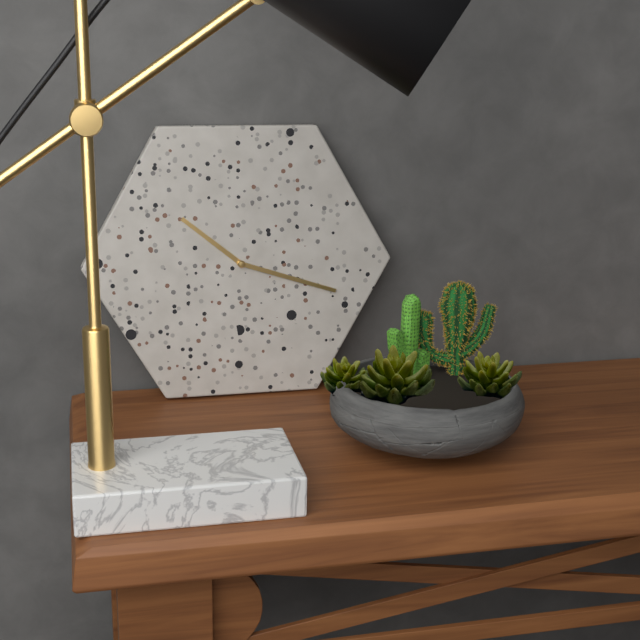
{"hour": 10, "minute": 18}
